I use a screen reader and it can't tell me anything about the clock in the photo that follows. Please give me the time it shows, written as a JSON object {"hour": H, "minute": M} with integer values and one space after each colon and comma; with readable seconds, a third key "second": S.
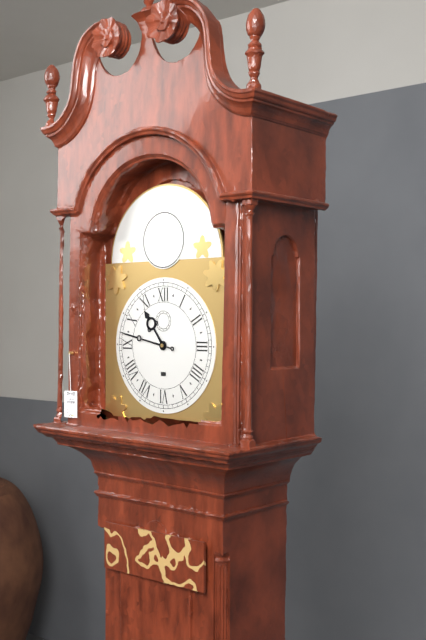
{"hour": 10, "minute": 47}
